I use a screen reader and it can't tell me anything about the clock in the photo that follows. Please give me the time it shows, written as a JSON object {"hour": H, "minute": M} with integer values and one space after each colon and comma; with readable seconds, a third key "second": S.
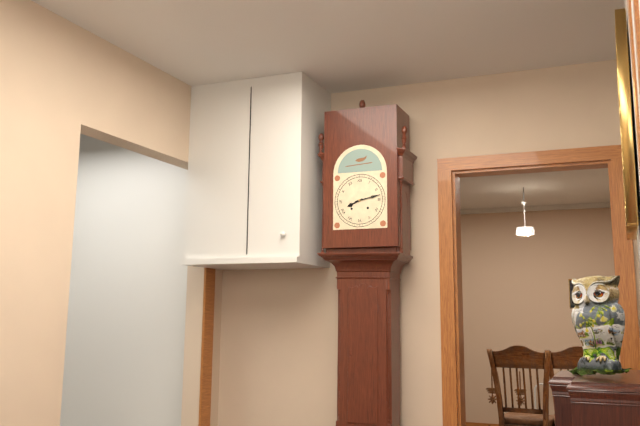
{"hour": 8, "minute": 13}
